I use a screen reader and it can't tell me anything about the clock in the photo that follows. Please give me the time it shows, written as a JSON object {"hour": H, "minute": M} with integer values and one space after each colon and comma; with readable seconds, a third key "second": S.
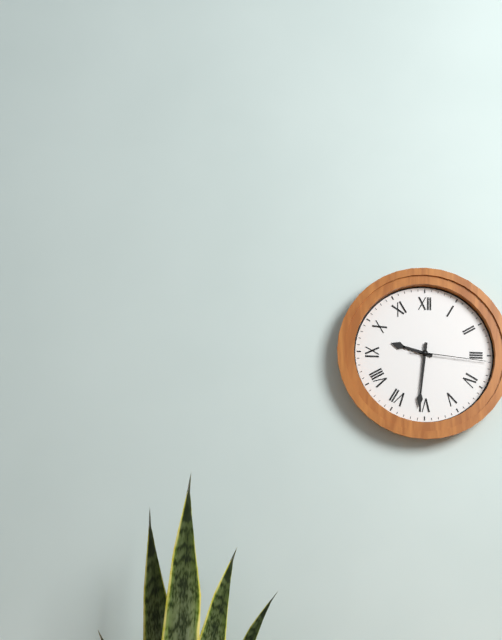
{"hour": 9, "minute": 31, "second": 16}
